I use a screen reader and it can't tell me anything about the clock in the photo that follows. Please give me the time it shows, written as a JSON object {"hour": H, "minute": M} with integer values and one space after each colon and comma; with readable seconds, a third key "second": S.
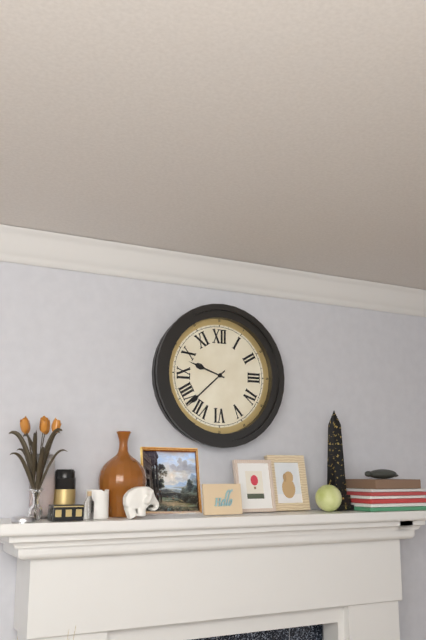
{"hour": 9, "minute": 38}
